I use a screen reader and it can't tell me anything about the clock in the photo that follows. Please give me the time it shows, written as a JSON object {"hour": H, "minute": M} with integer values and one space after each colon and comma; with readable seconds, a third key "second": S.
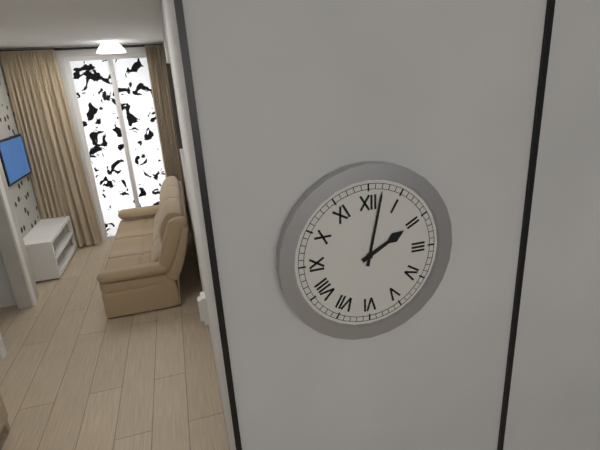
{"hour": 2, "minute": 2}
